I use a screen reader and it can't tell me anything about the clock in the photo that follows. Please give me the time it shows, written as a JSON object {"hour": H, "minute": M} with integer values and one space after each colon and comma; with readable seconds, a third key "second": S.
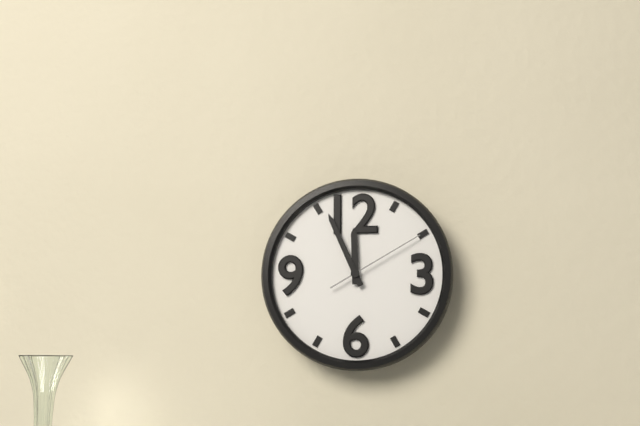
{"hour": 11, "minute": 56, "second": 10}
